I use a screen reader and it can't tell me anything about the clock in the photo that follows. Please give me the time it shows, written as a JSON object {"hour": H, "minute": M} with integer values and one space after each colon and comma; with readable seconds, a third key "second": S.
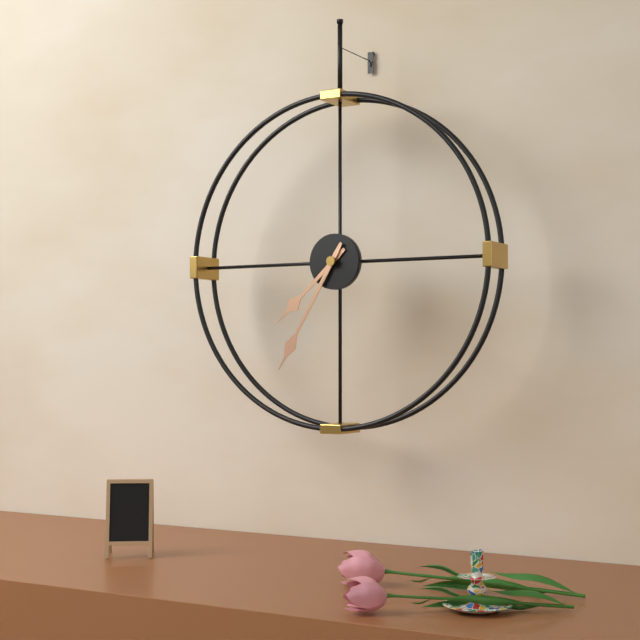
{"hour": 7, "minute": 35}
